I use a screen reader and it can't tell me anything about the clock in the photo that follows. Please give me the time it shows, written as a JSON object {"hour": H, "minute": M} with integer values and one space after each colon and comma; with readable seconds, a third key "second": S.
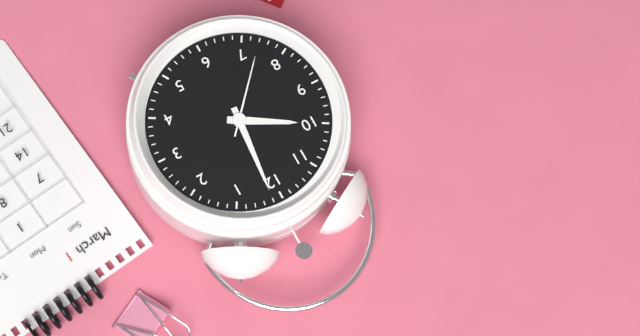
{"hour": 10, "minute": 1, "second": 37}
